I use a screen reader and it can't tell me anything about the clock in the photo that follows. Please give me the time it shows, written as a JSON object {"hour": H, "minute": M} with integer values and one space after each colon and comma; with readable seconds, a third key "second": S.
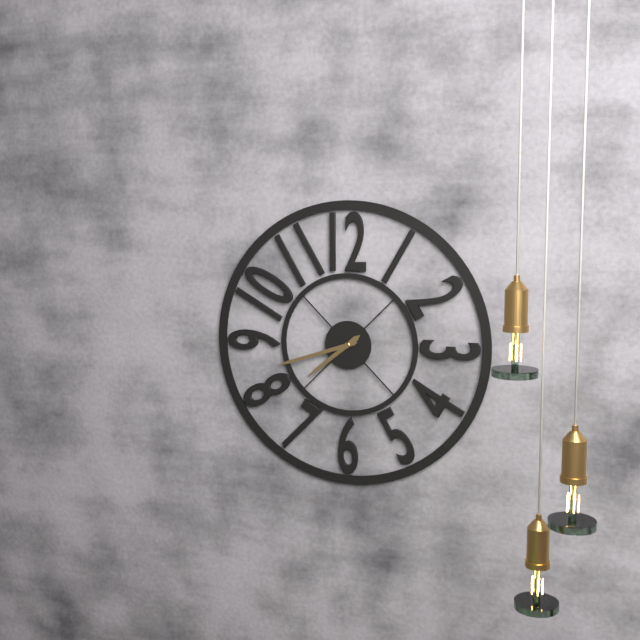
{"hour": 7, "minute": 42}
